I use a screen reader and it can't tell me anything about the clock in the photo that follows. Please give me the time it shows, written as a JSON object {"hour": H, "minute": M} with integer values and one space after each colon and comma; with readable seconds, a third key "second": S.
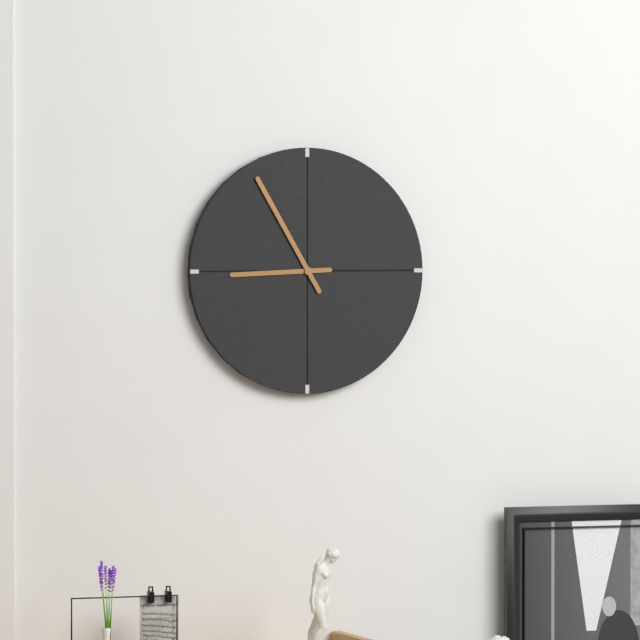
{"hour": 8, "minute": 55}
